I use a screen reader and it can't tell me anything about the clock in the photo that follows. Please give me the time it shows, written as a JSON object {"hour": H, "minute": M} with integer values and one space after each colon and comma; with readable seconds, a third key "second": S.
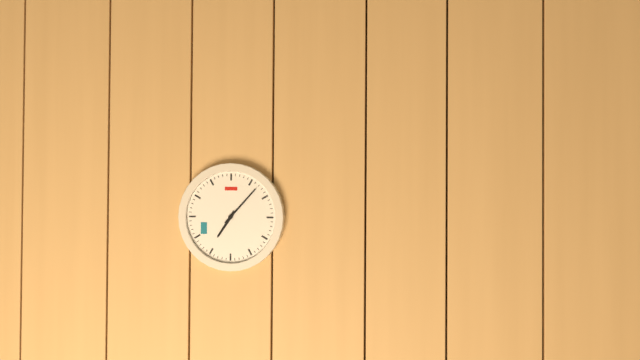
{"hour": 7, "minute": 7}
